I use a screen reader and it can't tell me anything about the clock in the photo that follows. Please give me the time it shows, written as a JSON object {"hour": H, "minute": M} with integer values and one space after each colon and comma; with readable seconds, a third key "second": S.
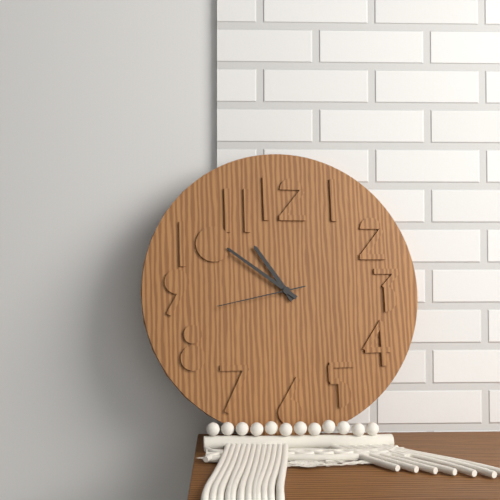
{"hour": 10, "minute": 51, "second": 43}
